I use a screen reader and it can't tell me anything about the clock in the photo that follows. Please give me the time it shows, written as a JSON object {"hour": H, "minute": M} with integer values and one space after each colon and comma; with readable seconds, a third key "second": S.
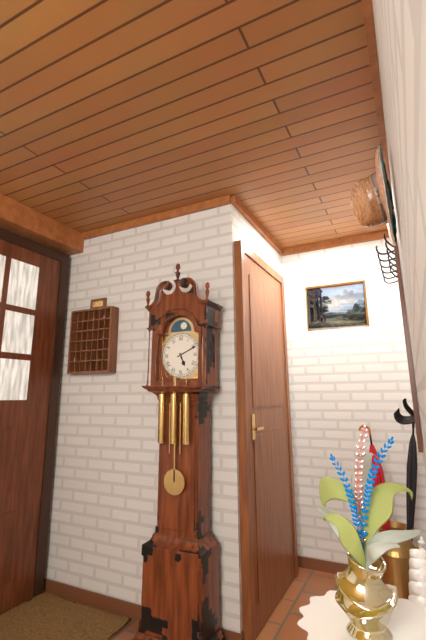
{"hour": 5, "minute": 11}
